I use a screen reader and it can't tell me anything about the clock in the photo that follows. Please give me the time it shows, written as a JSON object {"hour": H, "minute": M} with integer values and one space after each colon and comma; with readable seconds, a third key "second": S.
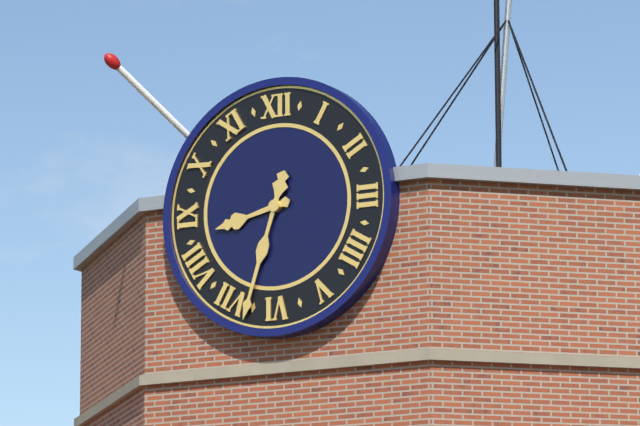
{"hour": 8, "minute": 33}
